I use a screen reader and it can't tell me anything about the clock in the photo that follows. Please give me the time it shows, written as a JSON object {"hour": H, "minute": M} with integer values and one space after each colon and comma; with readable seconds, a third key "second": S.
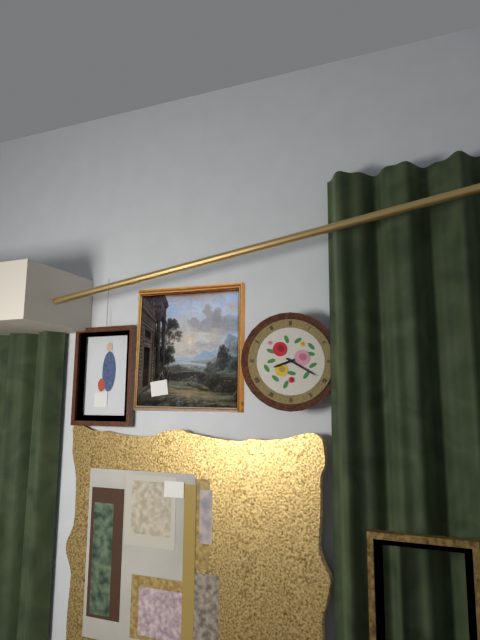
{"hour": 8, "minute": 20}
